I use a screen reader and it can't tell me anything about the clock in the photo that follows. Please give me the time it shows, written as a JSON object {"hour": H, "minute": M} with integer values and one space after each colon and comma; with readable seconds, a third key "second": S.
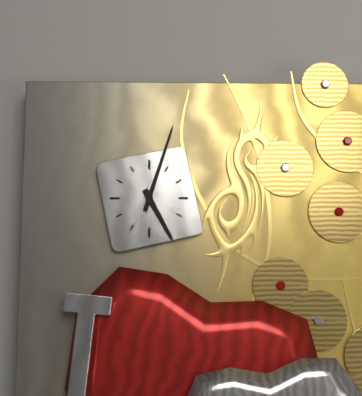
{"hour": 5, "minute": 3}
